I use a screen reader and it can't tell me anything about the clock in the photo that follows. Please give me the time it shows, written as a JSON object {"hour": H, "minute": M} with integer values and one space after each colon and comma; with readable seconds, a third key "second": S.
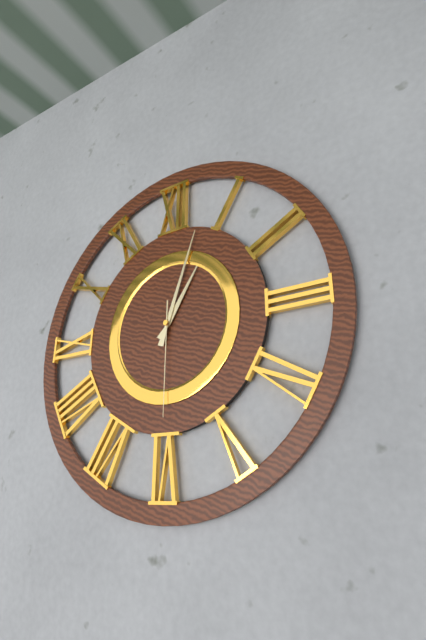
{"hour": 1, "minute": 3, "second": 30}
